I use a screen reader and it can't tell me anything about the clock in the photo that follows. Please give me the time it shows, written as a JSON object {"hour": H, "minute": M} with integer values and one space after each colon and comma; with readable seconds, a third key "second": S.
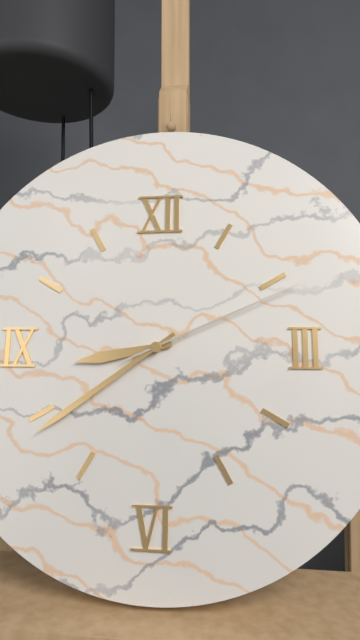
{"hour": 8, "minute": 39, "second": 11}
